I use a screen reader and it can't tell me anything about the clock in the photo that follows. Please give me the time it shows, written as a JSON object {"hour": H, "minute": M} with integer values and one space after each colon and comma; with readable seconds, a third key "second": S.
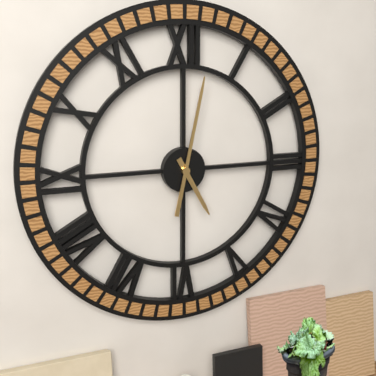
{"hour": 5, "minute": 2}
